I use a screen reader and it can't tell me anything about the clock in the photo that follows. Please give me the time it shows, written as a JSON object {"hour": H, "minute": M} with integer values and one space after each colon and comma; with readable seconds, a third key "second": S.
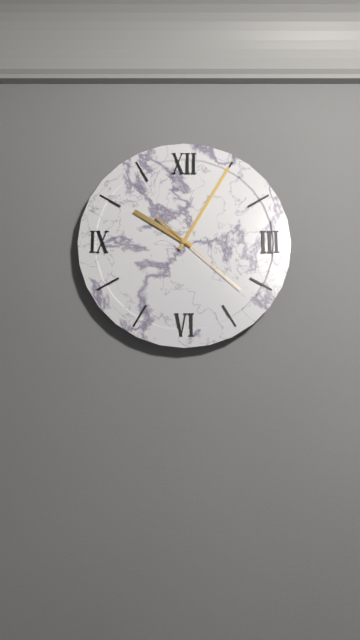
{"hour": 10, "minute": 5, "second": 22}
